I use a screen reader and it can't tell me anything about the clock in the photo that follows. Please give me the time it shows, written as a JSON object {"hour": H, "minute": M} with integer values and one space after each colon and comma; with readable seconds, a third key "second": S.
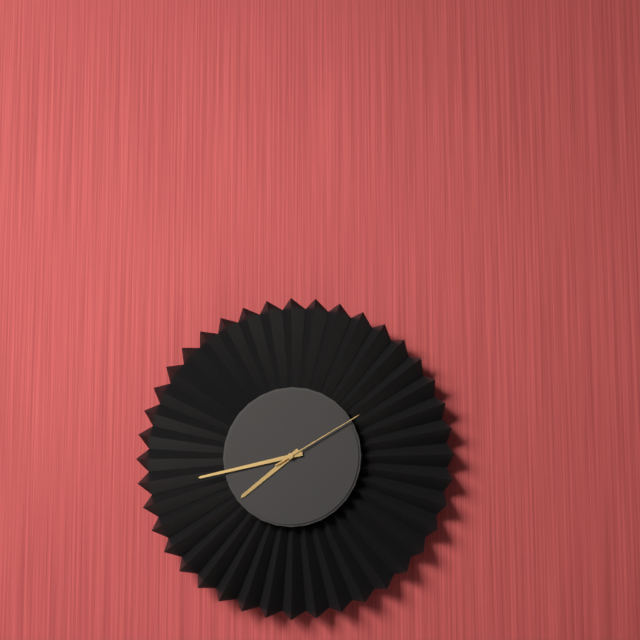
{"hour": 7, "minute": 43, "second": 10}
